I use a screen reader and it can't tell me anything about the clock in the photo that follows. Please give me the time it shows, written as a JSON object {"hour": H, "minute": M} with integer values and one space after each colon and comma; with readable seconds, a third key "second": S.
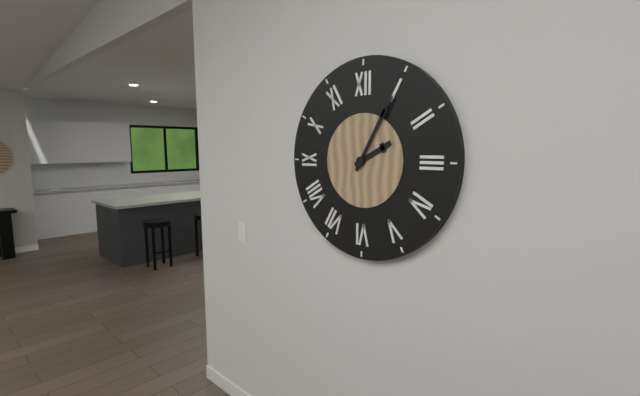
{"hour": 2, "minute": 5}
